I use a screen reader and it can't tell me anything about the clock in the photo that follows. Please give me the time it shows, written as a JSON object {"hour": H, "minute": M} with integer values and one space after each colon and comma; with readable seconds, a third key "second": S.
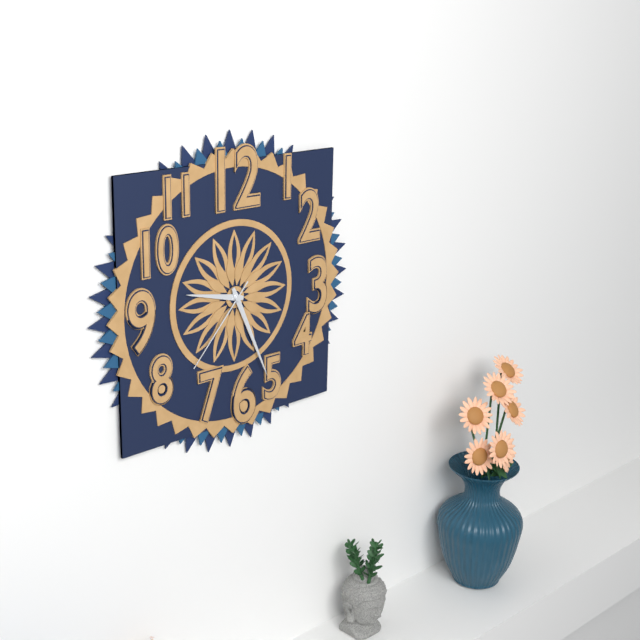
{"hour": 9, "minute": 26, "second": 37}
